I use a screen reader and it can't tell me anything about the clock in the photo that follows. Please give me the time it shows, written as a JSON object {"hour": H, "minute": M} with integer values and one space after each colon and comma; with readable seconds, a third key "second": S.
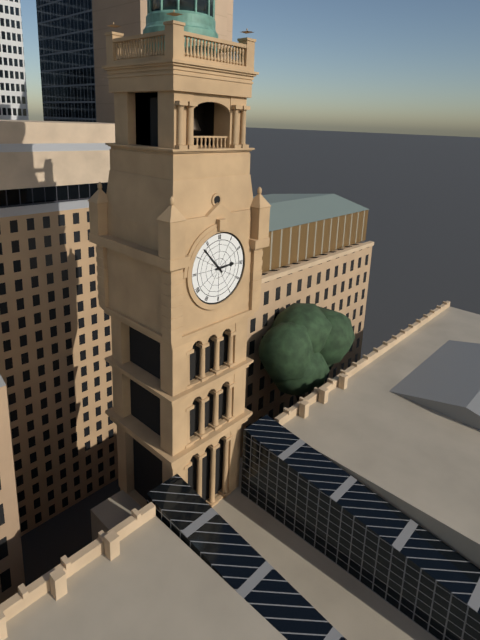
{"hour": 2, "minute": 53}
